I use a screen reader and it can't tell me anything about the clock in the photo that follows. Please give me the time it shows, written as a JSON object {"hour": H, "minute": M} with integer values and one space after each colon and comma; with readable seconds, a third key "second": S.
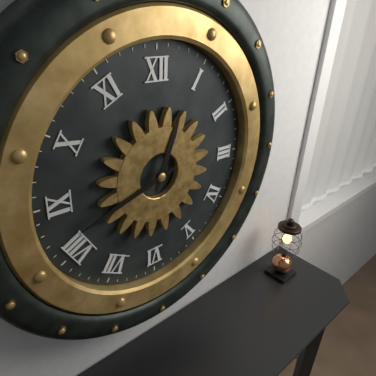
{"hour": 12, "minute": 42}
